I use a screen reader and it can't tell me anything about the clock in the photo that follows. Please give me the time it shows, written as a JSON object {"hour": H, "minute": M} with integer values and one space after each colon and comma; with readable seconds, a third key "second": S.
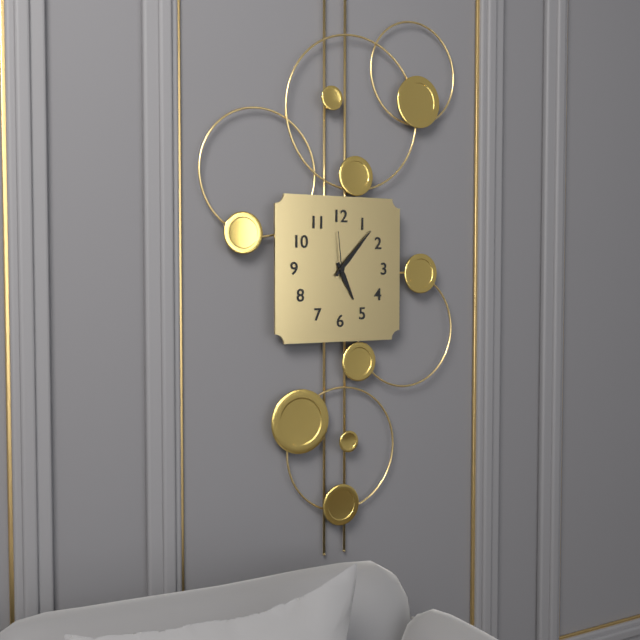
{"hour": 5, "minute": 7}
